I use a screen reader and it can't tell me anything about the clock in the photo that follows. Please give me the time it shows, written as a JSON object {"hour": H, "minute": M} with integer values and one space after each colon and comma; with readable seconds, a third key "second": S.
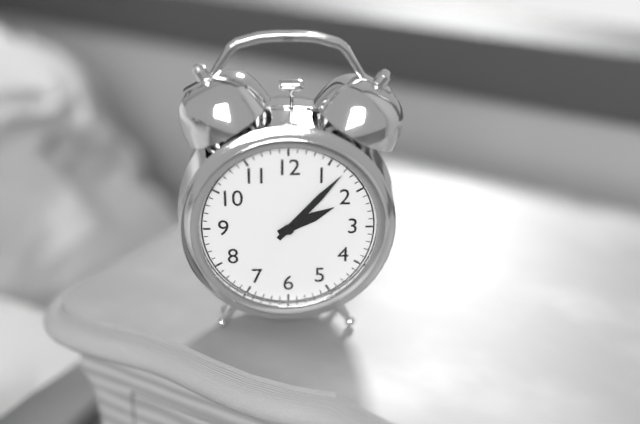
{"hour": 2, "minute": 7}
